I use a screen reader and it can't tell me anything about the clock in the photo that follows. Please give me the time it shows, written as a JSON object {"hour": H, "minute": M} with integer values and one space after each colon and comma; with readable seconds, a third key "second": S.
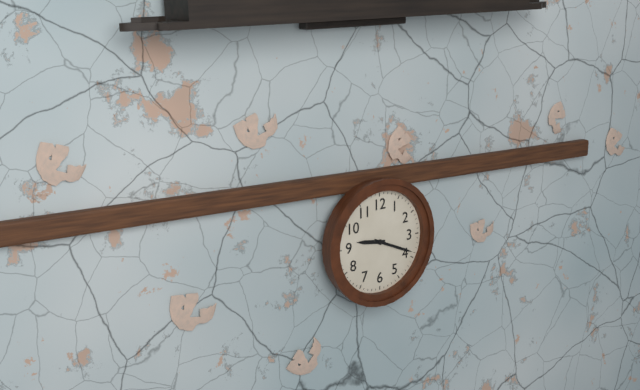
{"hour": 9, "minute": 19}
